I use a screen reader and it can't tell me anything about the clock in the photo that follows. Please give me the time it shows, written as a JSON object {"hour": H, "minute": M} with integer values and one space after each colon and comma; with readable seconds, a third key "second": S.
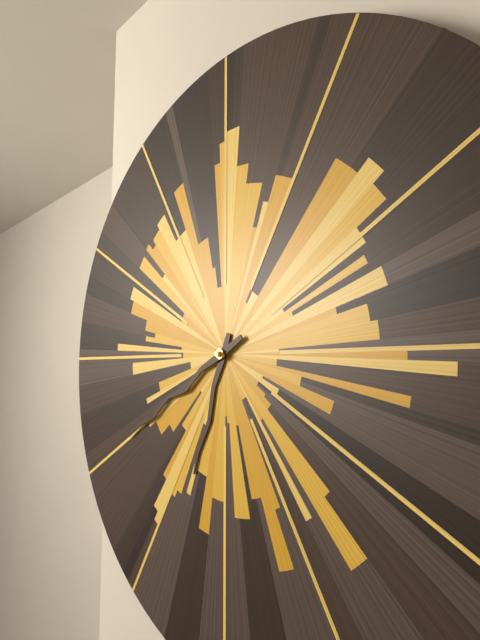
{"hour": 6, "minute": 40}
